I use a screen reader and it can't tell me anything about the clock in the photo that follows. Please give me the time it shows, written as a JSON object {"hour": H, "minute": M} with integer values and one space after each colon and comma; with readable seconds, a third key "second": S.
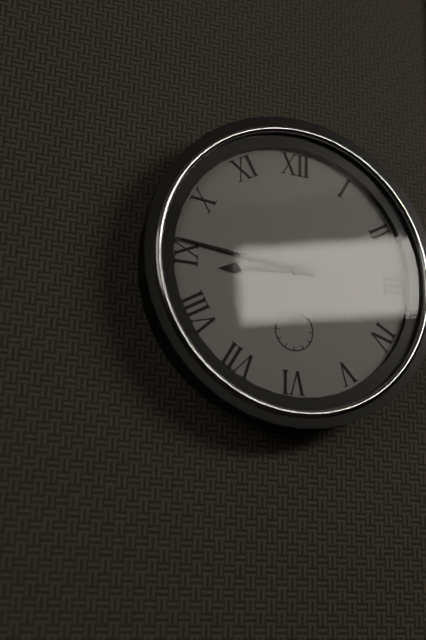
{"hour": 8, "minute": 46}
